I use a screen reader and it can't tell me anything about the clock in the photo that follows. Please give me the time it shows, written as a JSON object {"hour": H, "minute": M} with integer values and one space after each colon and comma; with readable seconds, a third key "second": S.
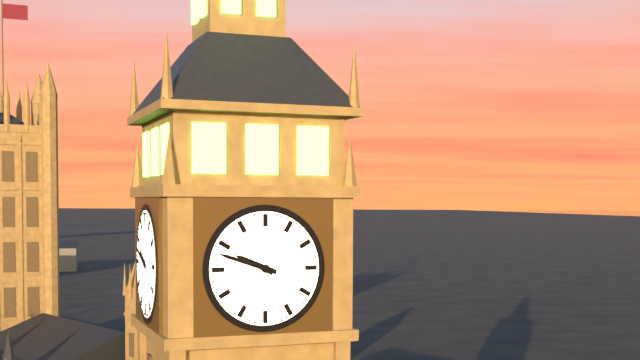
{"hour": 9, "minute": 48}
